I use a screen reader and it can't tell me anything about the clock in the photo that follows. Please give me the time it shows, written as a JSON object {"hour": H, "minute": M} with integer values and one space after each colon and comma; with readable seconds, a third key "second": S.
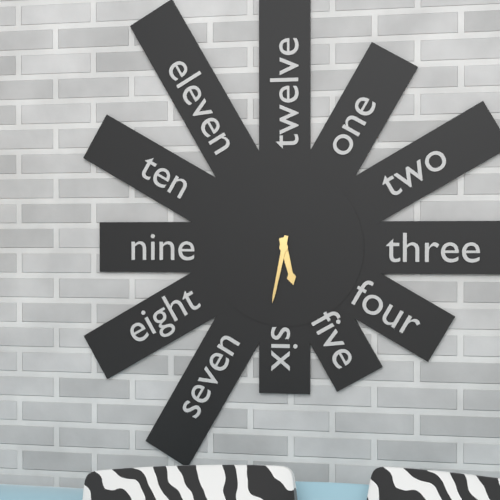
{"hour": 5, "minute": 32}
